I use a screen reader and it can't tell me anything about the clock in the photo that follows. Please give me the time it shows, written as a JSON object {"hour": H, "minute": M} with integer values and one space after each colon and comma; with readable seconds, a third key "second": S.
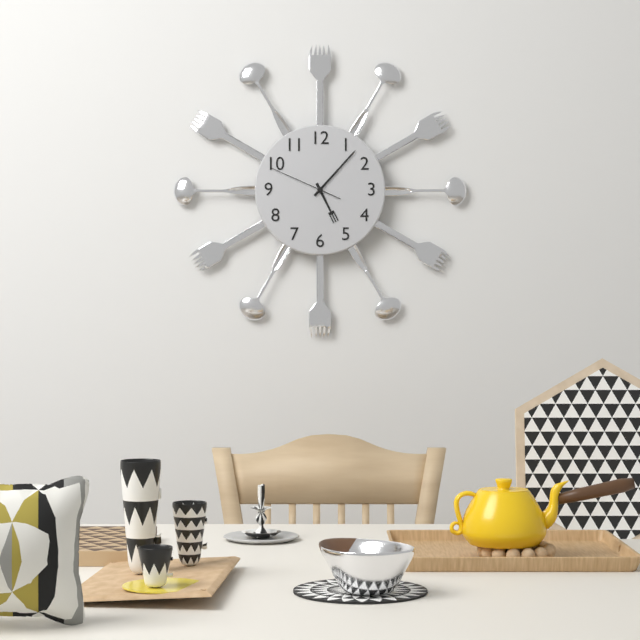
{"hour": 5, "minute": 7, "second": 49}
